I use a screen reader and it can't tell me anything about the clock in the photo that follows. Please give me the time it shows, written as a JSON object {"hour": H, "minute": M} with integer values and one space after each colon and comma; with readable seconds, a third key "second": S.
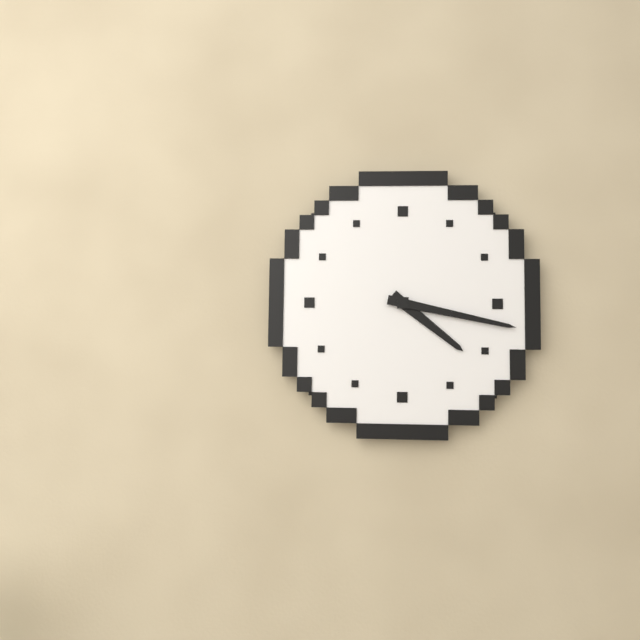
{"hour": 4, "minute": 17}
